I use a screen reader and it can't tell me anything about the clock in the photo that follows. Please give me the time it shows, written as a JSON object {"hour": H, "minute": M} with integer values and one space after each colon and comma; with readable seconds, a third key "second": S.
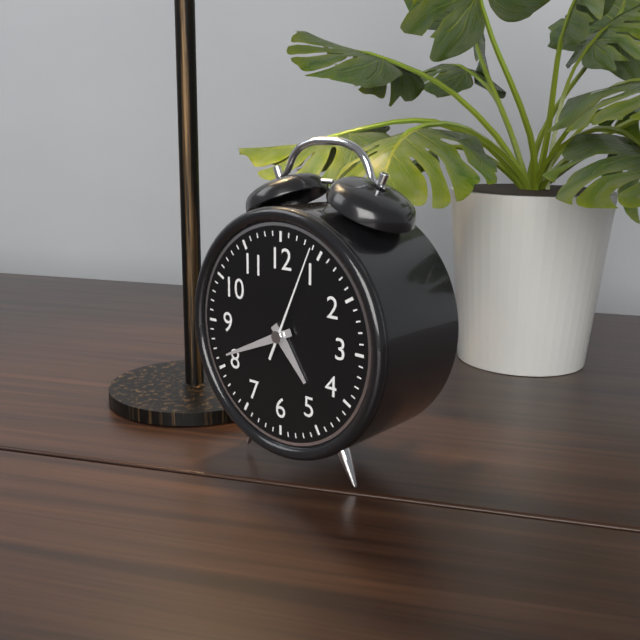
{"hour": 4, "minute": 41, "second": 4}
